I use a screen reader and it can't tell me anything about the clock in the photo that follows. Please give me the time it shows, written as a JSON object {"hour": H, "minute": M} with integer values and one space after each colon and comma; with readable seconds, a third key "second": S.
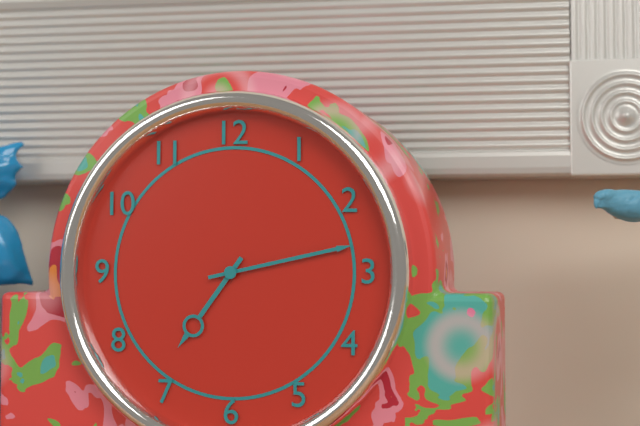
{"hour": 7, "minute": 13}
